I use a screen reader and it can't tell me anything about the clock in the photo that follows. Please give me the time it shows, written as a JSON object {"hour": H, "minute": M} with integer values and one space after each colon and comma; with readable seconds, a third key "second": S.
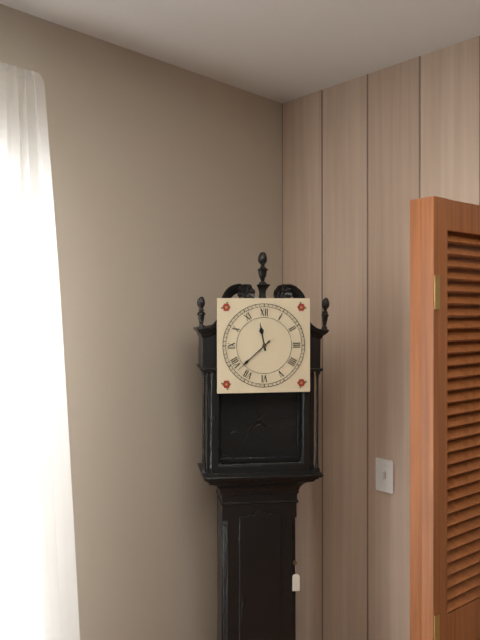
{"hour": 11, "minute": 38}
